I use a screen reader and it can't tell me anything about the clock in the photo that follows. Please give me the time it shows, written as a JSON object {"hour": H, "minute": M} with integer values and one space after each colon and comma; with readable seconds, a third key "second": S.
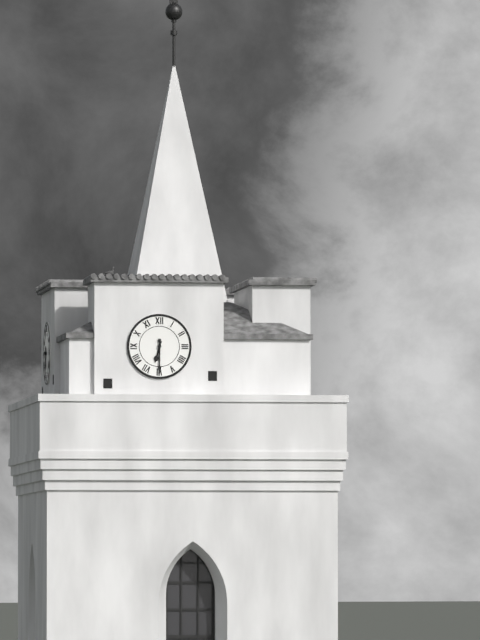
{"hour": 6, "minute": 30}
